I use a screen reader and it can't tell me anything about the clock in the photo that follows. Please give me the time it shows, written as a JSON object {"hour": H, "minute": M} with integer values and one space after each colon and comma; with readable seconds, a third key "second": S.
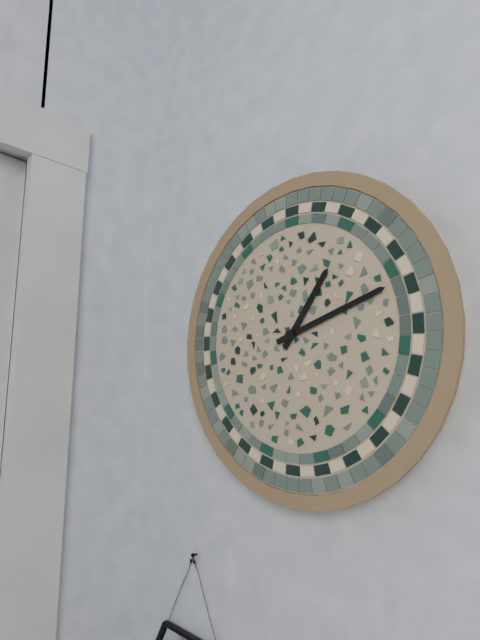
{"hour": 1, "minute": 12}
